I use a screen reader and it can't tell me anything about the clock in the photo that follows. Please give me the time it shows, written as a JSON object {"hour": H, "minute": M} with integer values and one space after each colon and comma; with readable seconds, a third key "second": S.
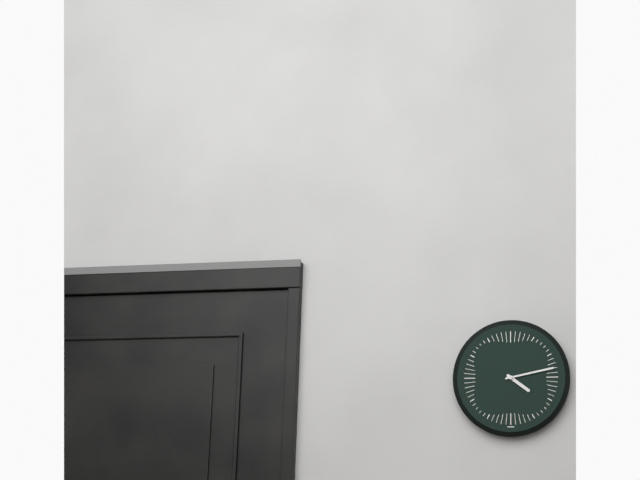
{"hour": 4, "minute": 13}
